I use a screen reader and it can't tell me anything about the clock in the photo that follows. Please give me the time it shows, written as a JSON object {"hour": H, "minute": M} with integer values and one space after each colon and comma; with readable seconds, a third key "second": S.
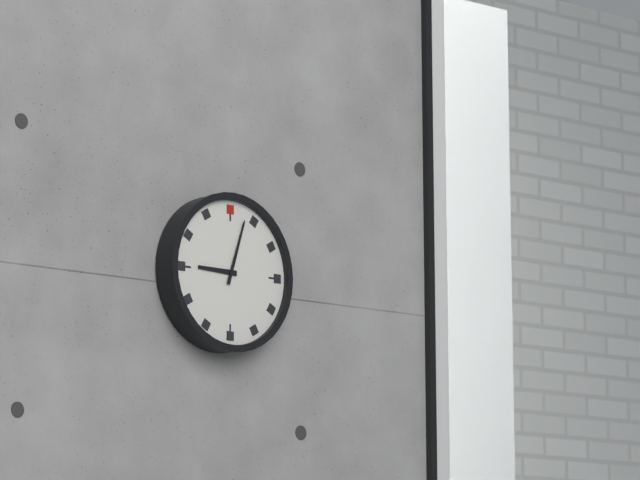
{"hour": 9, "minute": 3}
